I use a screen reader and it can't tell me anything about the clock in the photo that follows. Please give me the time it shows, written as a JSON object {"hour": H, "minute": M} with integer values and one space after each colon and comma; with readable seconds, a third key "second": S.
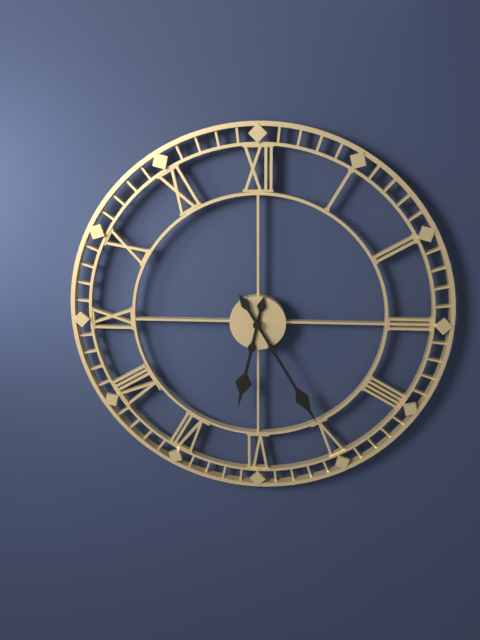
{"hour": 6, "minute": 25}
